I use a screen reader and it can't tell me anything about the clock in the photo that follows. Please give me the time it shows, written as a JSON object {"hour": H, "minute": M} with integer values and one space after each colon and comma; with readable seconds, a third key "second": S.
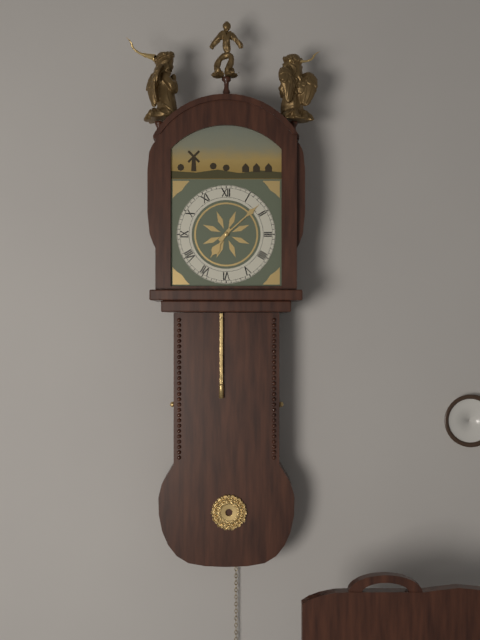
{"hour": 7, "minute": 8}
